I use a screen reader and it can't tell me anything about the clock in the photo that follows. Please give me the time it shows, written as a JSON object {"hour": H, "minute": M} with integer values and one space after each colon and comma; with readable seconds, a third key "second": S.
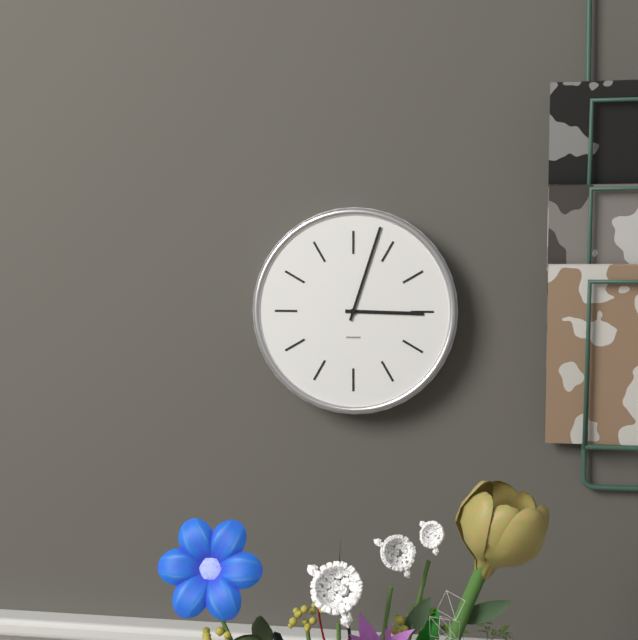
{"hour": 3, "minute": 3}
